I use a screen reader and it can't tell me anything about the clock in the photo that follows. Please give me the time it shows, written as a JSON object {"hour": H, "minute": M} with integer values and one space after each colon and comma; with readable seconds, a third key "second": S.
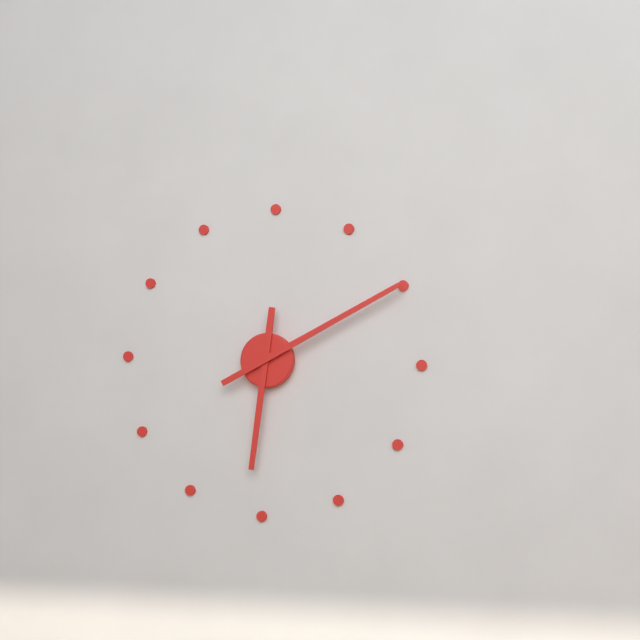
{"hour": 6, "minute": 10}
